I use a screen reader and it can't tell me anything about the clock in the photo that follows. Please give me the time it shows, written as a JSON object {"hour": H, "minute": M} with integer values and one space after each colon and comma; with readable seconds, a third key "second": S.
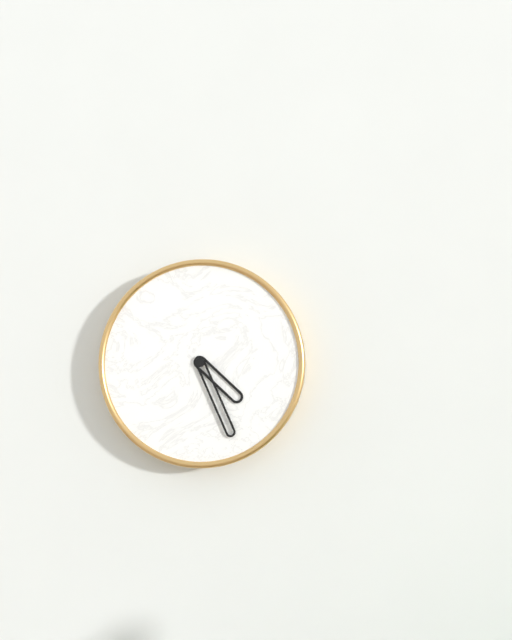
{"hour": 4, "minute": 26}
